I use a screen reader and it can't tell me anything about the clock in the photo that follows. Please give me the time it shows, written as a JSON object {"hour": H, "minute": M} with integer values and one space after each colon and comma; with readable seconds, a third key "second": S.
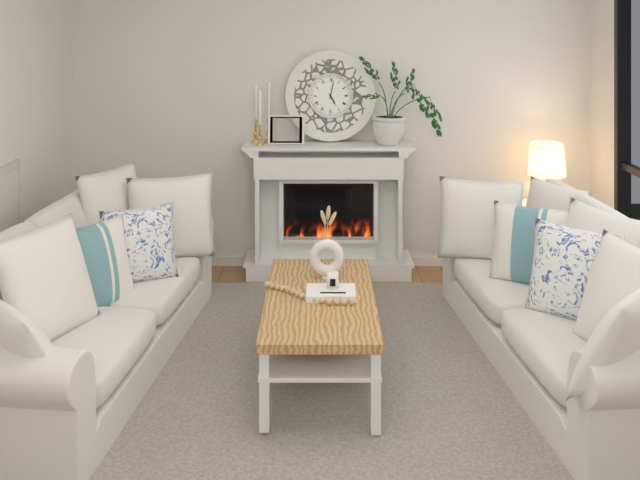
{"hour": 5, "minute": 2}
